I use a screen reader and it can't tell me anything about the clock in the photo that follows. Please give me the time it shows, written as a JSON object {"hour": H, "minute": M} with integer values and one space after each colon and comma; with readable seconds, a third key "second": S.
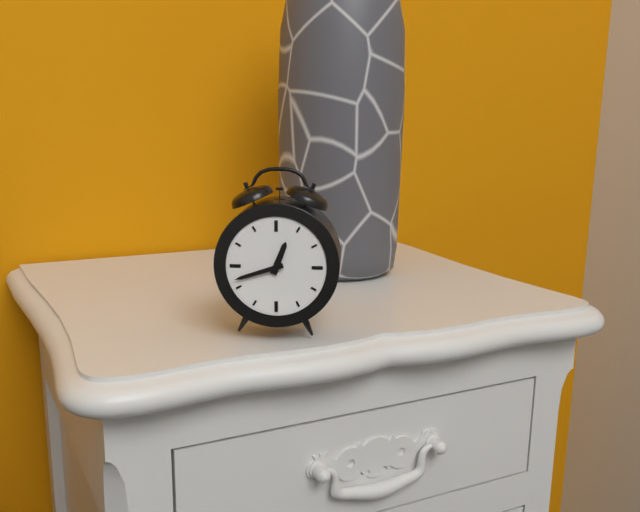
{"hour": 12, "minute": 42}
